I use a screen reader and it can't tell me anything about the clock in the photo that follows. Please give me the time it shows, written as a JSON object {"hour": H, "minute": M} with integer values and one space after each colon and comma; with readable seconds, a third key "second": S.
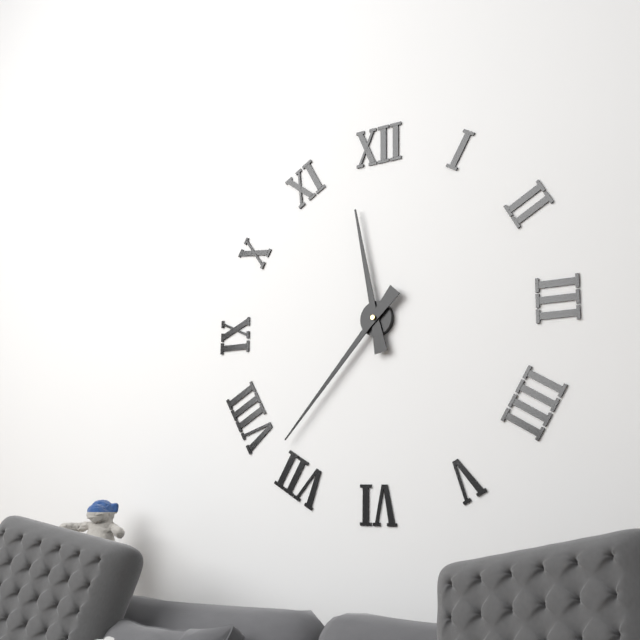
{"hour": 11, "minute": 37}
